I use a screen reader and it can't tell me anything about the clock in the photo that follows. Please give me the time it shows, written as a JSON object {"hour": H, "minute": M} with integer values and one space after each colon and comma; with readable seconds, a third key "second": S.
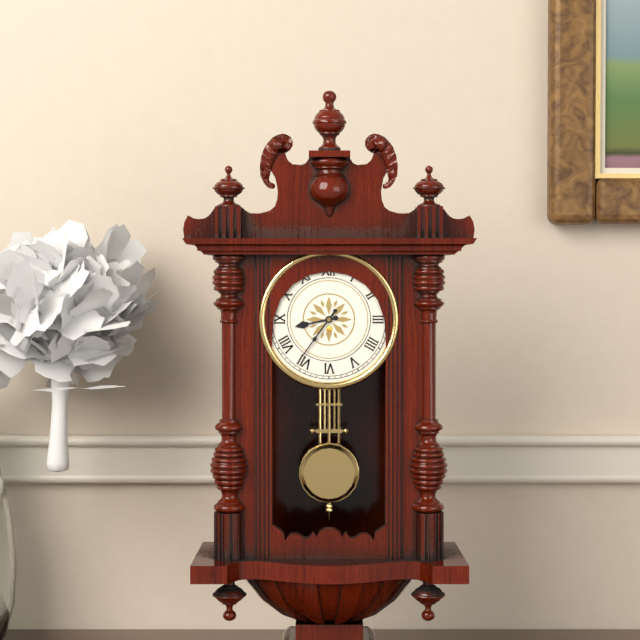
{"hour": 8, "minute": 36}
